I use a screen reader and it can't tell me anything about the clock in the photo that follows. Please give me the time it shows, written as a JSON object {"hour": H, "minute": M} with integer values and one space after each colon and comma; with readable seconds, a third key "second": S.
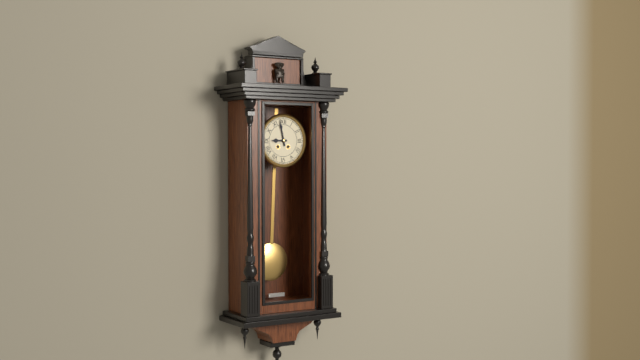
{"hour": 8, "minute": 58}
